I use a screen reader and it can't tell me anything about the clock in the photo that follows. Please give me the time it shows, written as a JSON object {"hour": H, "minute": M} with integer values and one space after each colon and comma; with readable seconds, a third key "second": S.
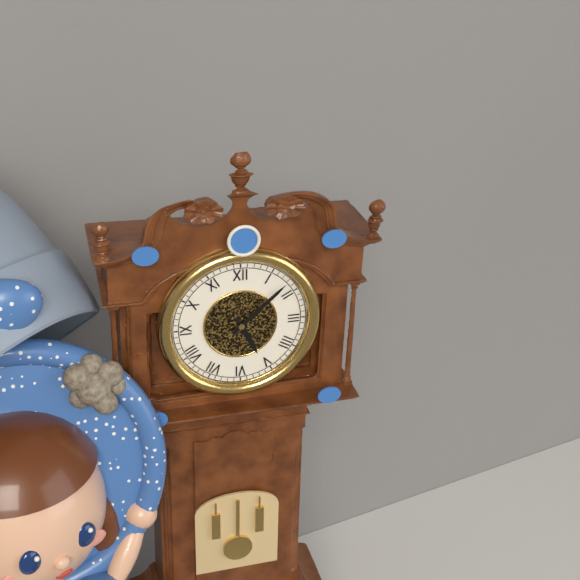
{"hour": 5, "minute": 8}
